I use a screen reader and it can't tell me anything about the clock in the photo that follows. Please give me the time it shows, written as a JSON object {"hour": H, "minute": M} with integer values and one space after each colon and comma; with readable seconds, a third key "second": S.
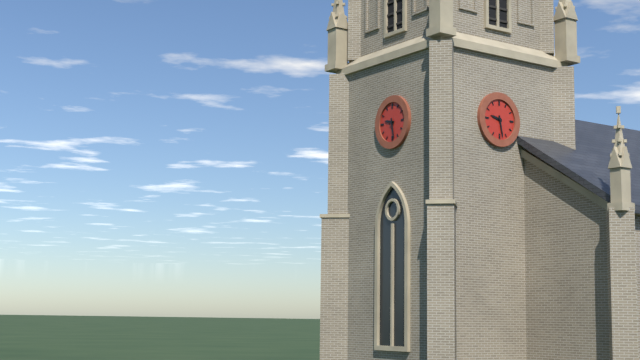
{"hour": 9, "minute": 28}
